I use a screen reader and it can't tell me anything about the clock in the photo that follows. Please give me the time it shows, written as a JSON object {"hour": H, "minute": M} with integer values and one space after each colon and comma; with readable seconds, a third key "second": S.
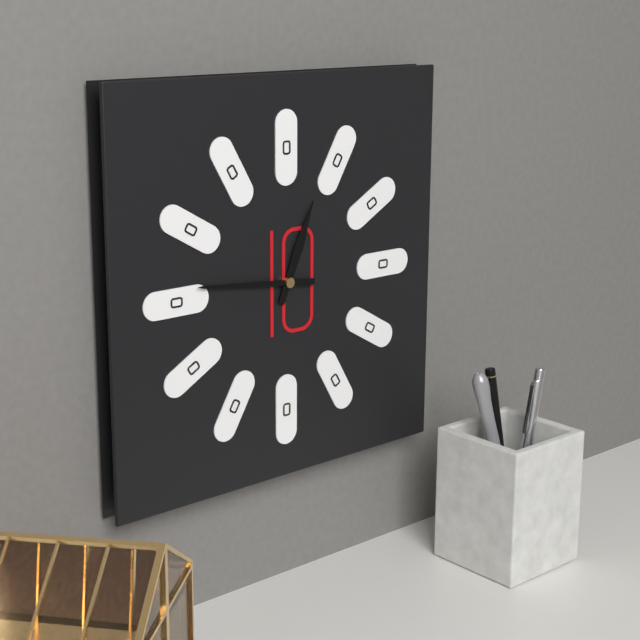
{"hour": 12, "minute": 46}
